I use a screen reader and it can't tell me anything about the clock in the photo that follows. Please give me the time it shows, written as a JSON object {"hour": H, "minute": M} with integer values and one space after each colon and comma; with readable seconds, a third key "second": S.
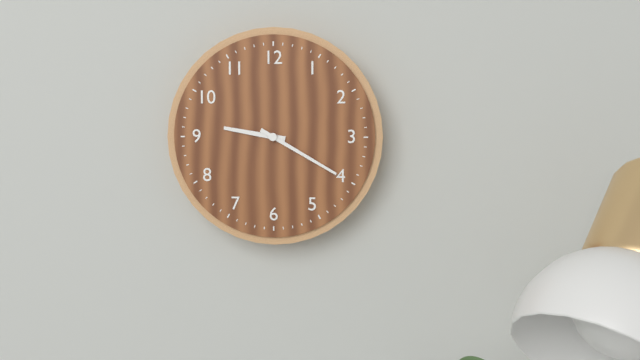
{"hour": 9, "minute": 20}
